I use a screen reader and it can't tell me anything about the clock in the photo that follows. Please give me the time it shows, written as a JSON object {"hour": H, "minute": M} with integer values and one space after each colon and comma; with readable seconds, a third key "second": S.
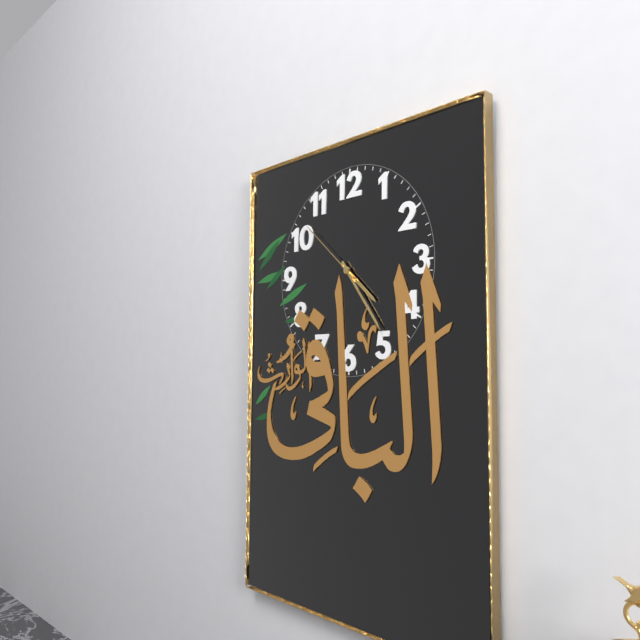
{"hour": 4, "minute": 24, "second": 52}
